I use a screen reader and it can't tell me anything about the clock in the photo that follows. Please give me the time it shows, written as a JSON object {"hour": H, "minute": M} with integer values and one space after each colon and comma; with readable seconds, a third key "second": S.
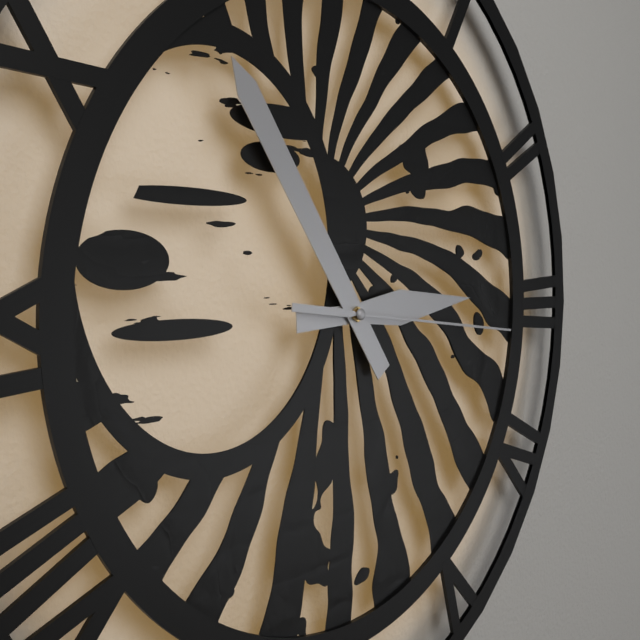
{"hour": 2, "minute": 54, "second": 16}
